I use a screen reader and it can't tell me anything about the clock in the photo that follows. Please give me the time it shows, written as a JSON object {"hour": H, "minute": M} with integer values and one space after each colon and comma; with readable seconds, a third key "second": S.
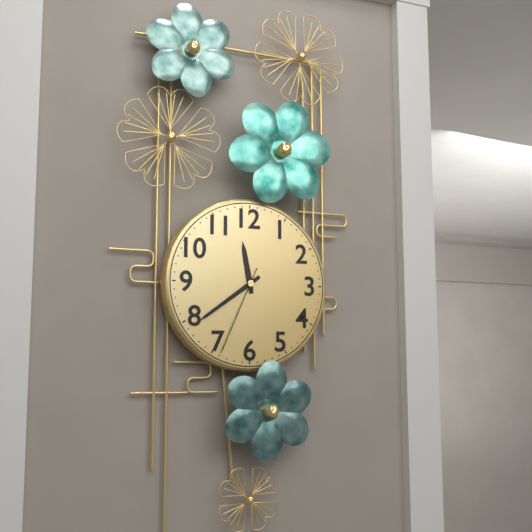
{"hour": 11, "minute": 39, "second": 34}
